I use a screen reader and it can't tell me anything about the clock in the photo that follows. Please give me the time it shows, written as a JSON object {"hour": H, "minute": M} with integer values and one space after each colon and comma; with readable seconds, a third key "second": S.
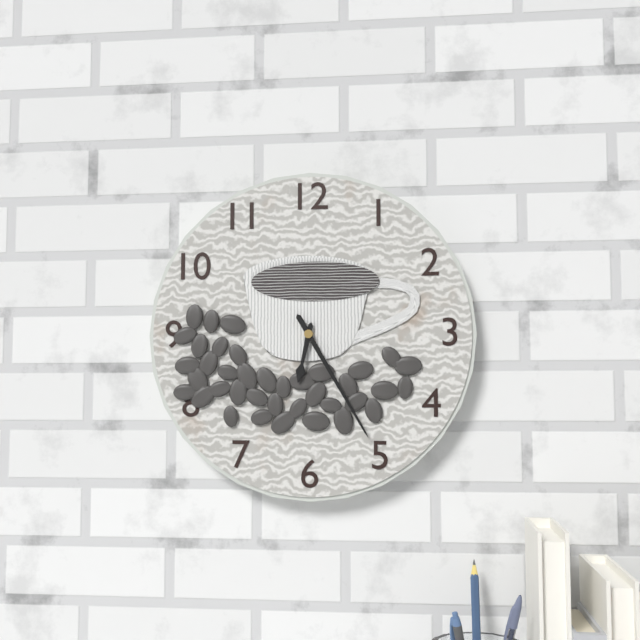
{"hour": 6, "minute": 25}
